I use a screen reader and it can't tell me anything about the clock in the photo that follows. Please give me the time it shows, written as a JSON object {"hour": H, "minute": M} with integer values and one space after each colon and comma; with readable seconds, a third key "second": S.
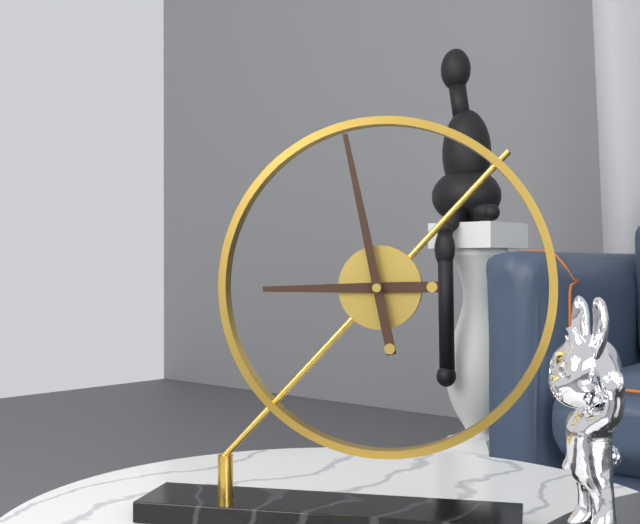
{"hour": 8, "minute": 58}
